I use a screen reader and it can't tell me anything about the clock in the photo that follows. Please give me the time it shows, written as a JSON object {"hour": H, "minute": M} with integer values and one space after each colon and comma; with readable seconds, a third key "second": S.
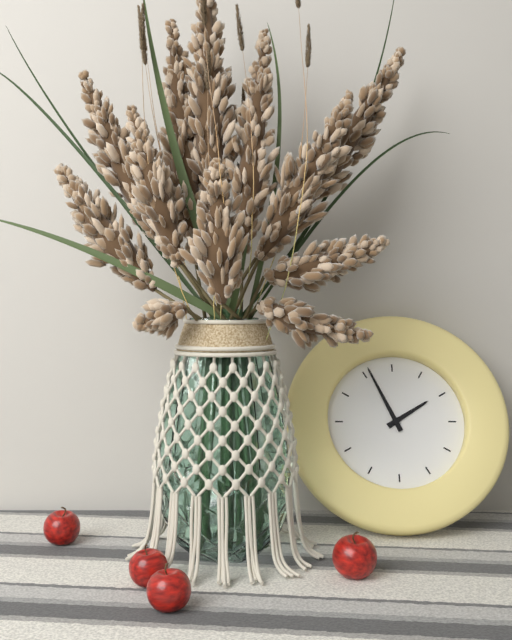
{"hour": 1, "minute": 56}
